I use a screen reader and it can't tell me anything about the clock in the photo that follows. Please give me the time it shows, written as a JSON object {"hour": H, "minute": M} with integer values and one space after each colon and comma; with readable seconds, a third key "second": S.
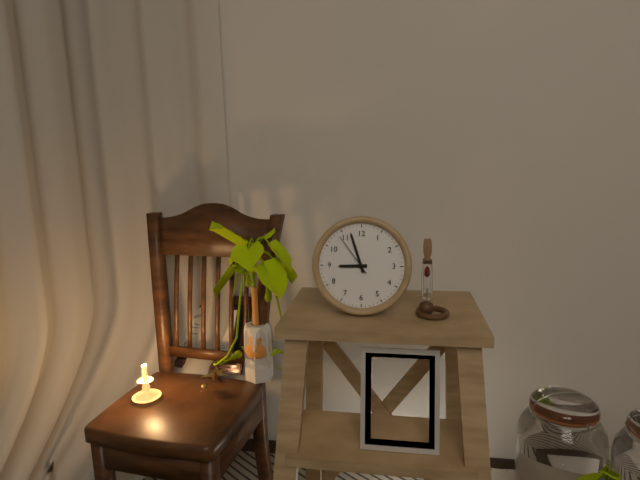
{"hour": 8, "minute": 57}
